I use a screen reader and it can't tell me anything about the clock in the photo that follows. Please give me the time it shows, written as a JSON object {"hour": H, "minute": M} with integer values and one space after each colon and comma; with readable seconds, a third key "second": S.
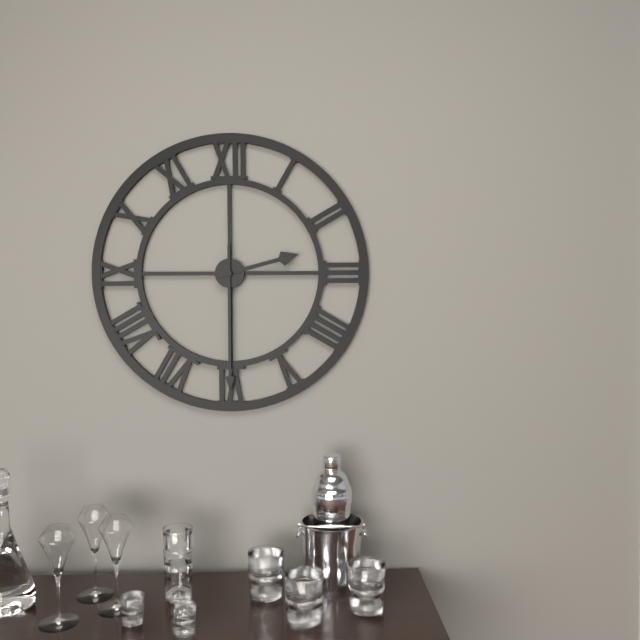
{"hour": 2, "minute": 30}
